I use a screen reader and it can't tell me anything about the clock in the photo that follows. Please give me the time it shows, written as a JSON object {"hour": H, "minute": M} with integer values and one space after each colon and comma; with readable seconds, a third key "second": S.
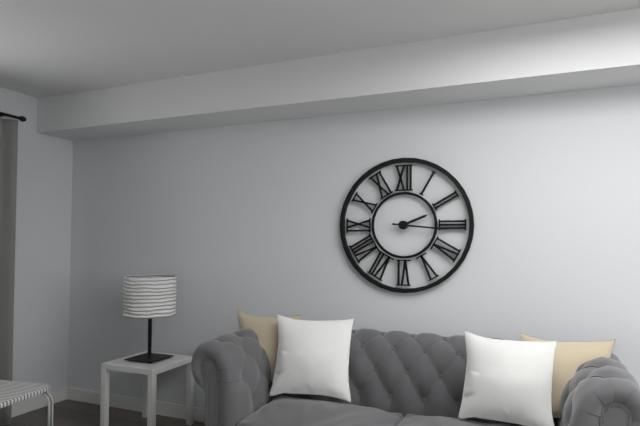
{"hour": 2, "minute": 16}
